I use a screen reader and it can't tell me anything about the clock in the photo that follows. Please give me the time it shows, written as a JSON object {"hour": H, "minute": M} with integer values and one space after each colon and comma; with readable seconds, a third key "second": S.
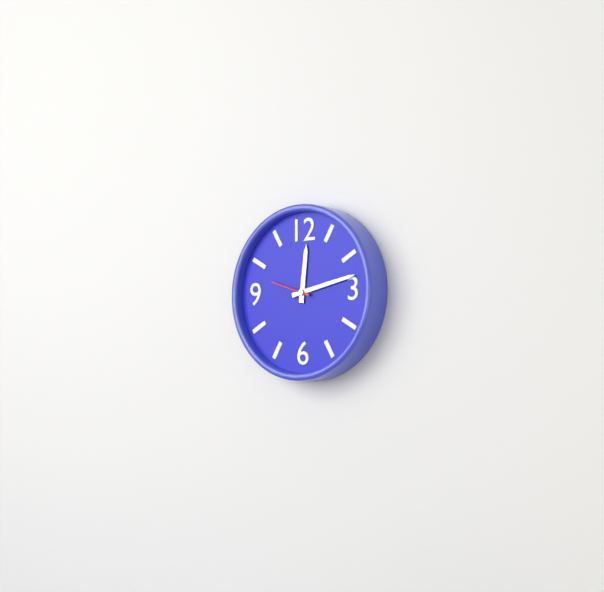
{"hour": 12, "minute": 13}
